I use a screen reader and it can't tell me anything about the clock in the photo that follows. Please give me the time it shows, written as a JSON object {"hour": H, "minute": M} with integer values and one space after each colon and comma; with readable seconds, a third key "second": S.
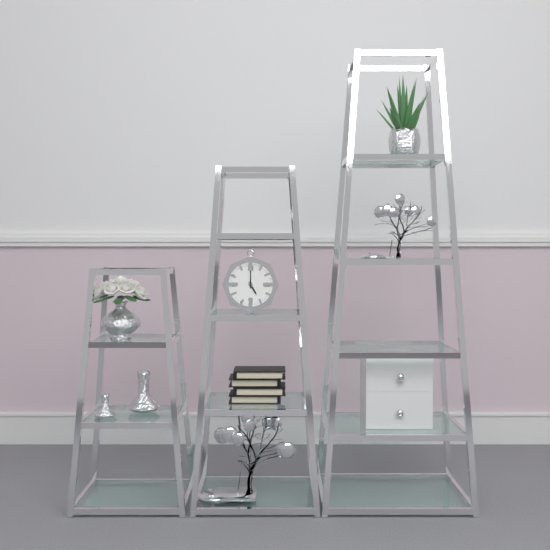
{"hour": 5, "minute": 0}
